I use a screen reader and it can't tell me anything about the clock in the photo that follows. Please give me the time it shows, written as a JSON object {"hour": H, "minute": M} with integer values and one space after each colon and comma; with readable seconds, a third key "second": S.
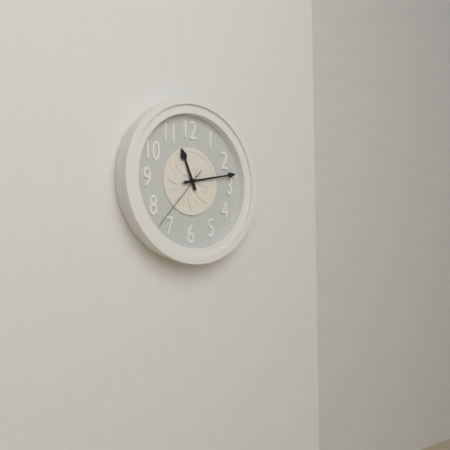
{"hour": 11, "minute": 13, "second": 37}
